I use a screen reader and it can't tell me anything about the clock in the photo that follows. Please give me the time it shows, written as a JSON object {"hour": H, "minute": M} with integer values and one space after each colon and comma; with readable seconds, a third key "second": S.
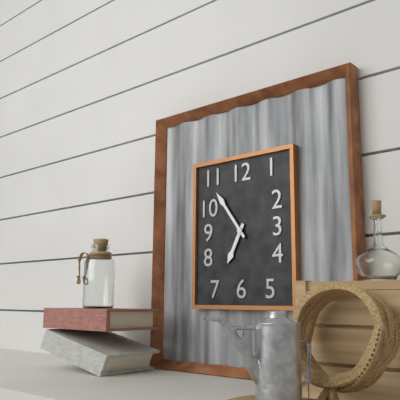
{"hour": 6, "minute": 54}
